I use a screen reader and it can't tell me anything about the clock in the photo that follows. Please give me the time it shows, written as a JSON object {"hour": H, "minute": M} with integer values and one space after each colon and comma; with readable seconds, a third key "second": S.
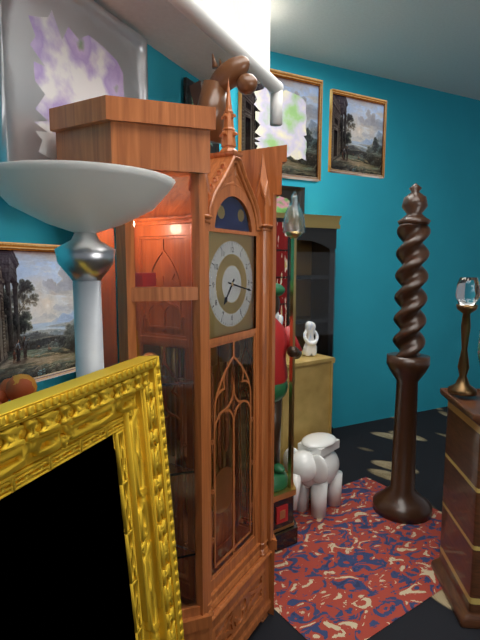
{"hour": 7, "minute": 17}
